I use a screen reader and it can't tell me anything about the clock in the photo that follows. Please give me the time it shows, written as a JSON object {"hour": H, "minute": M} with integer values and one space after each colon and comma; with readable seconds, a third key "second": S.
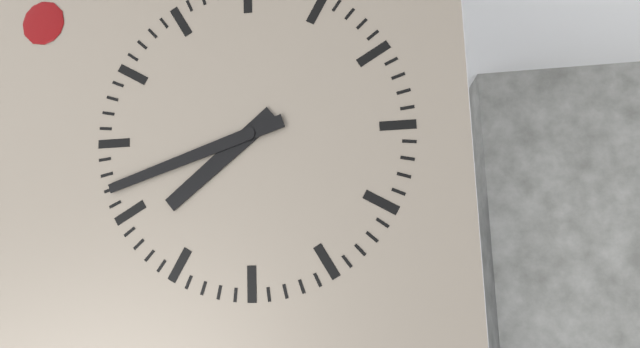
{"hour": 7, "minute": 42}
